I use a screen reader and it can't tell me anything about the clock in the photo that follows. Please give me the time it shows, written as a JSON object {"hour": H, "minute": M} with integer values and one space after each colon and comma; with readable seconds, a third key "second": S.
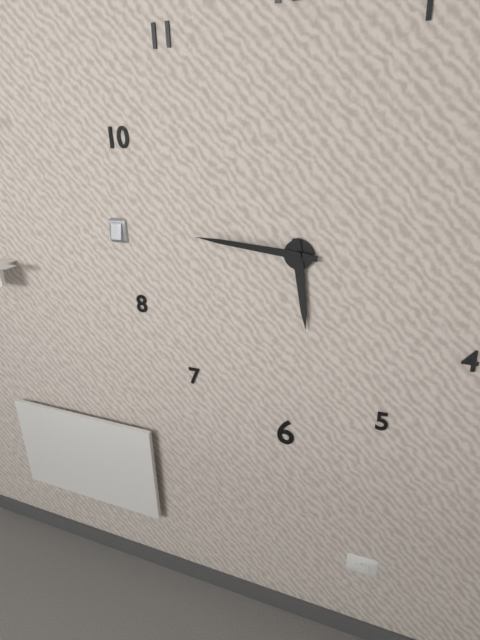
{"hour": 5, "minute": 46}
